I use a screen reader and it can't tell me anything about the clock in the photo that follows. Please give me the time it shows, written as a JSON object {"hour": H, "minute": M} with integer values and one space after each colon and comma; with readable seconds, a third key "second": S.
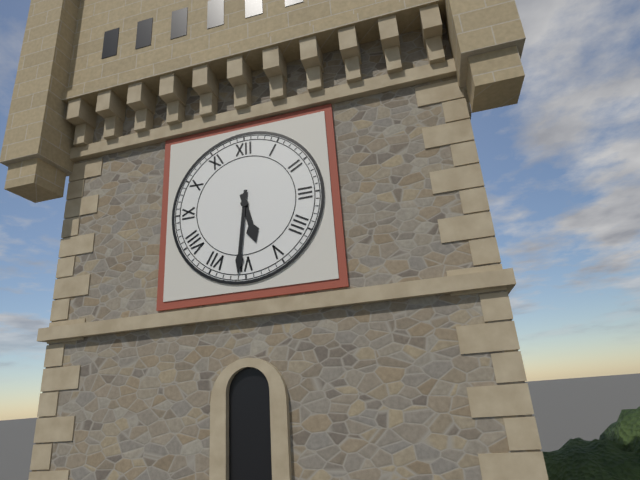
{"hour": 5, "minute": 31}
